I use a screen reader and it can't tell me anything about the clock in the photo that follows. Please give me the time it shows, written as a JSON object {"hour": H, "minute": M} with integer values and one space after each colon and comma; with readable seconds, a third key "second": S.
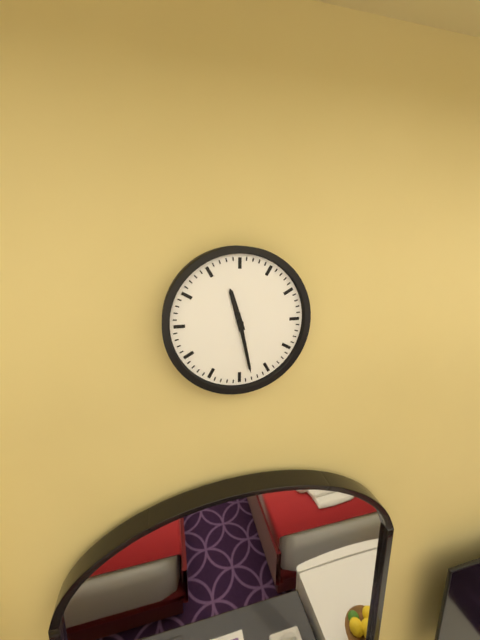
{"hour": 11, "minute": 28}
